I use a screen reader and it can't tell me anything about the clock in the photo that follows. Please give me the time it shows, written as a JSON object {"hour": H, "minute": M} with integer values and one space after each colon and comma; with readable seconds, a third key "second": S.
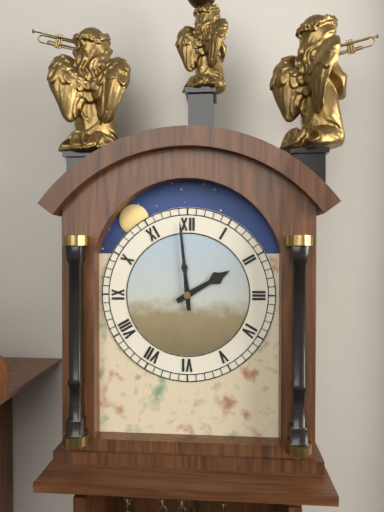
{"hour": 1, "minute": 59}
